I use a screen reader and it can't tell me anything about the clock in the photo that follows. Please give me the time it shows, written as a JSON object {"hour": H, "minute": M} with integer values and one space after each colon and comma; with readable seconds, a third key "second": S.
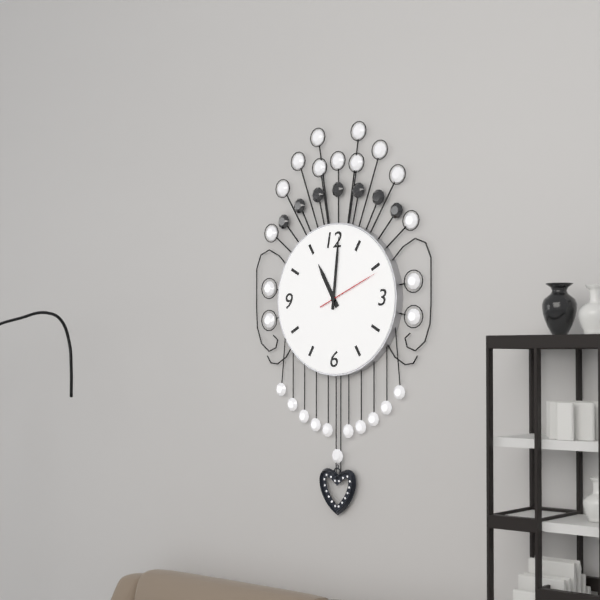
{"hour": 11, "minute": 1, "second": 11}
